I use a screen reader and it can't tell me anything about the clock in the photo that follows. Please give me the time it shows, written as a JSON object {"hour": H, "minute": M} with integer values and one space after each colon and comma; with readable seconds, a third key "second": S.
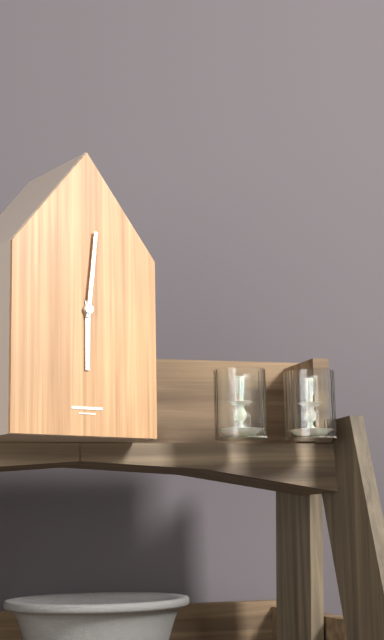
{"hour": 6, "minute": 1}
